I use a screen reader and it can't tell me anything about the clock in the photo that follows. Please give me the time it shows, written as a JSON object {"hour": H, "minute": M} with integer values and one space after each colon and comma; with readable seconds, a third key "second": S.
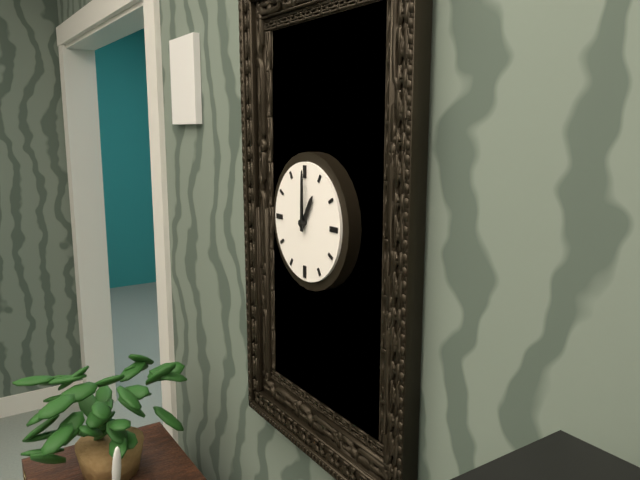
{"hour": 1, "minute": 0}
